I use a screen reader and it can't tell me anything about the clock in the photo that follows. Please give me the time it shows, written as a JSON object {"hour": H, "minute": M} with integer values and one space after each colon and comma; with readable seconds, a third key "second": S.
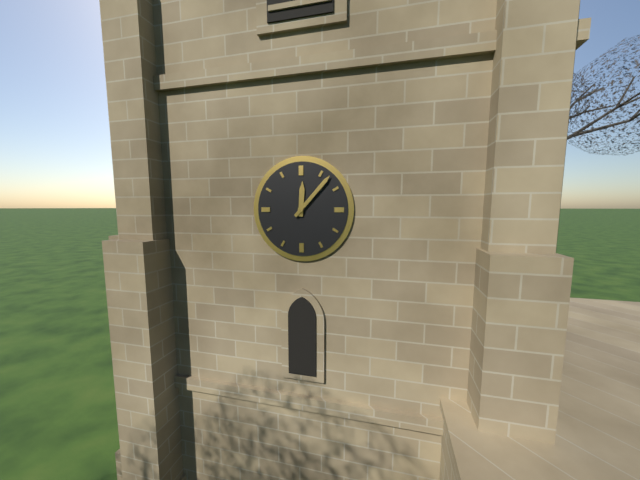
{"hour": 12, "minute": 7}
